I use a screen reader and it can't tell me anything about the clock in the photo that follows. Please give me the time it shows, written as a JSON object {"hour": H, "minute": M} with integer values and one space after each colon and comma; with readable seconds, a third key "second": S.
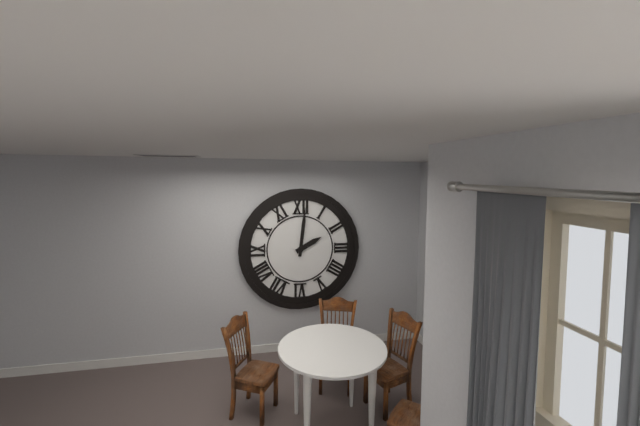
{"hour": 2, "minute": 1}
